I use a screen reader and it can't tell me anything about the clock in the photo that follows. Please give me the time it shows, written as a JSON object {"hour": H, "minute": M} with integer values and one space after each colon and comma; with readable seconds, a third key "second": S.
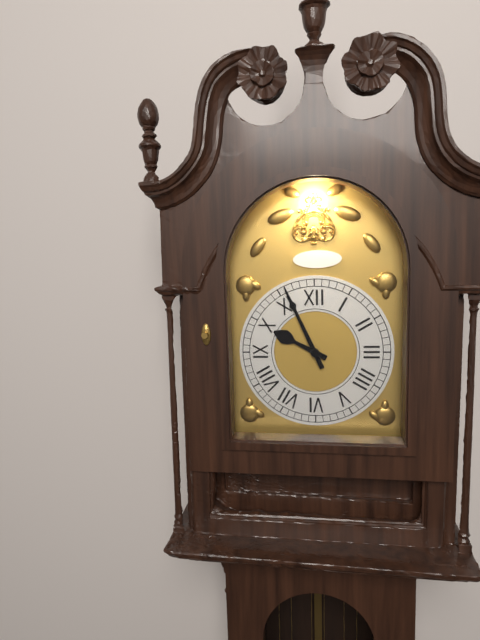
{"hour": 9, "minute": 56}
